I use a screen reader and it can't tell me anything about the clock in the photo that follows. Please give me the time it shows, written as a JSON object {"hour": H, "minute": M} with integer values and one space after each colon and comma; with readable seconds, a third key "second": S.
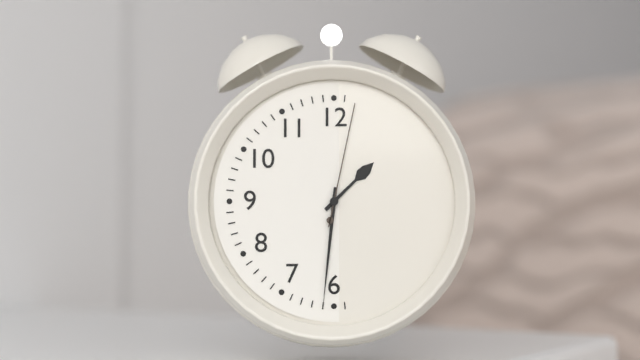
{"hour": 1, "minute": 31, "second": 2}
